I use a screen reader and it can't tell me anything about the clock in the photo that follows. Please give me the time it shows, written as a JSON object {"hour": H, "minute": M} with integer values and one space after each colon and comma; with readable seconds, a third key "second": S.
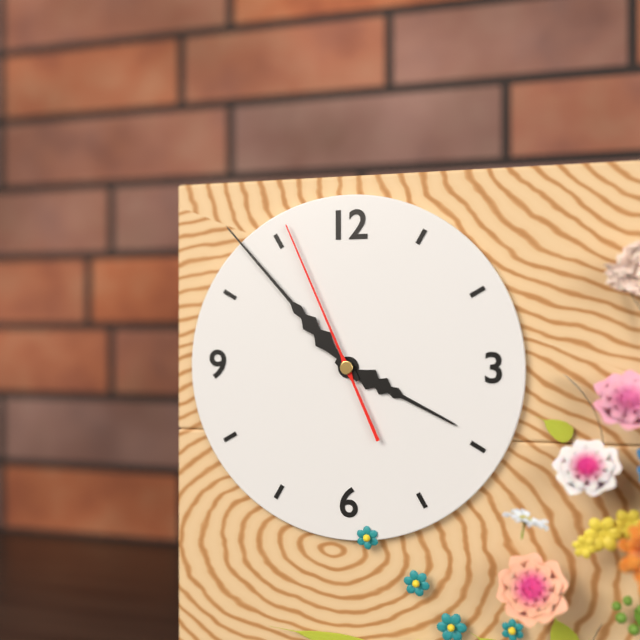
{"hour": 3, "minute": 53, "second": 56}
